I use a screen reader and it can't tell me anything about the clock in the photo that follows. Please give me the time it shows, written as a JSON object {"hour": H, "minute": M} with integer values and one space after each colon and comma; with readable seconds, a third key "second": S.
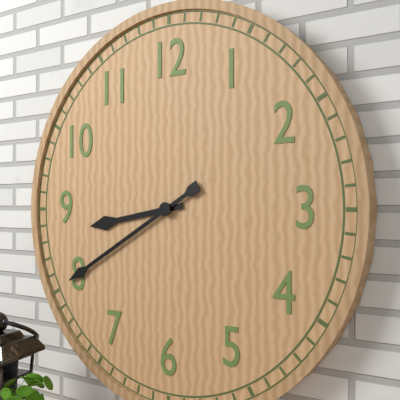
{"hour": 8, "minute": 40}
